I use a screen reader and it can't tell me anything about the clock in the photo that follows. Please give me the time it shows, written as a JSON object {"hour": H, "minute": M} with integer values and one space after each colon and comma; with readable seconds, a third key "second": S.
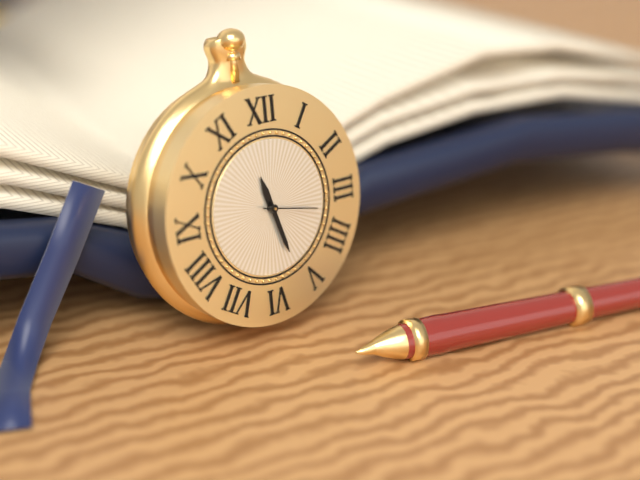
{"hour": 11, "minute": 27, "second": 17}
